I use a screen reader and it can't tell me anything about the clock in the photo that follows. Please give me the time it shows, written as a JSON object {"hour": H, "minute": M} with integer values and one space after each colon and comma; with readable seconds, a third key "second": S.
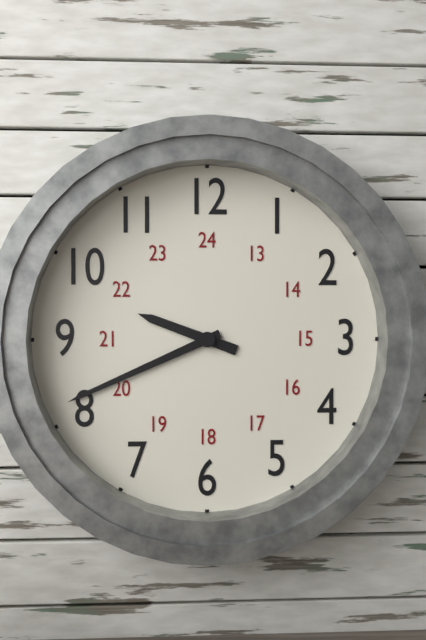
{"hour": 9, "minute": 41}
